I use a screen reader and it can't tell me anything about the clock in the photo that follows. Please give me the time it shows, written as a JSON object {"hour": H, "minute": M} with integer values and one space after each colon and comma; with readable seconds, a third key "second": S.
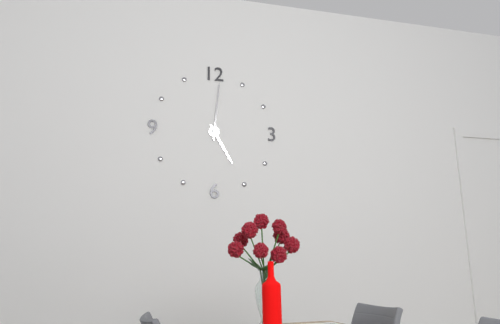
{"hour": 5, "minute": 1}
